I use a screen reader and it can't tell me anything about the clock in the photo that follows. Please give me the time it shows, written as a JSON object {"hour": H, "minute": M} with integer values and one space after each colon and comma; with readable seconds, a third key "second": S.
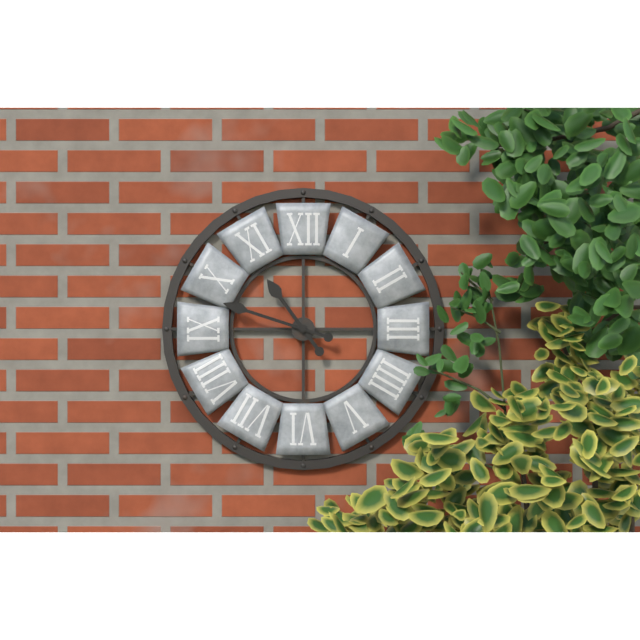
{"hour": 10, "minute": 48}
